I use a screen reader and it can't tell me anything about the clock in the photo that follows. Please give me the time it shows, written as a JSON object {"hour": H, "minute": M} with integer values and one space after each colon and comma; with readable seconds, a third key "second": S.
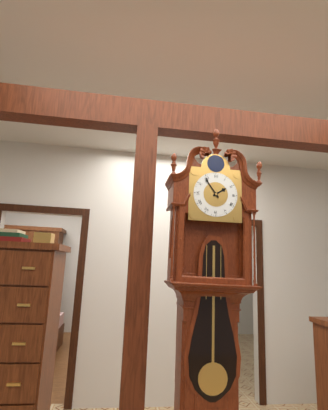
{"hour": 1, "minute": 54}
